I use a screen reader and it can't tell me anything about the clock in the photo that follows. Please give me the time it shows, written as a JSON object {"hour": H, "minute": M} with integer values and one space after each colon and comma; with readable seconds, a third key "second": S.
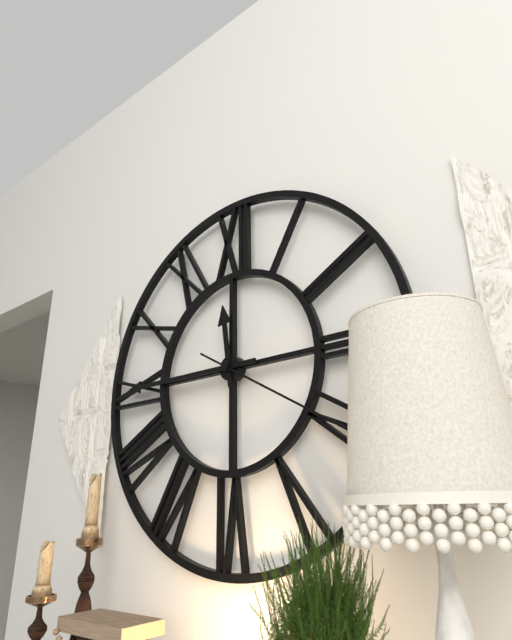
{"hour": 11, "minute": 45, "second": 20}
